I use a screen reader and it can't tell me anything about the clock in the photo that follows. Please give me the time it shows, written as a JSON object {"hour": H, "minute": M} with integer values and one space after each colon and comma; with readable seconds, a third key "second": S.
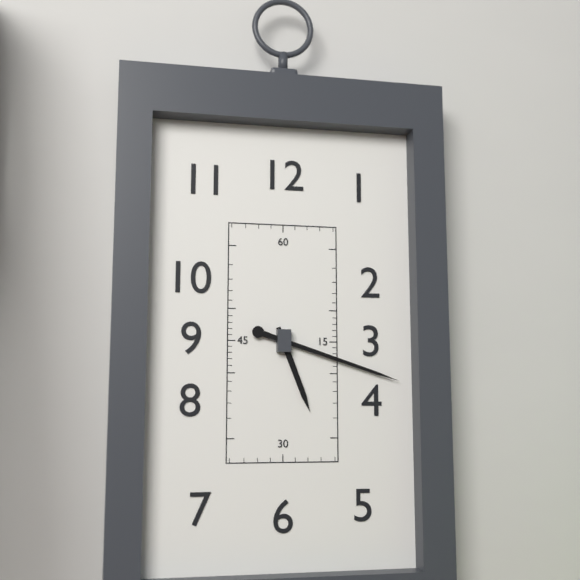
{"hour": 5, "minute": 18}
